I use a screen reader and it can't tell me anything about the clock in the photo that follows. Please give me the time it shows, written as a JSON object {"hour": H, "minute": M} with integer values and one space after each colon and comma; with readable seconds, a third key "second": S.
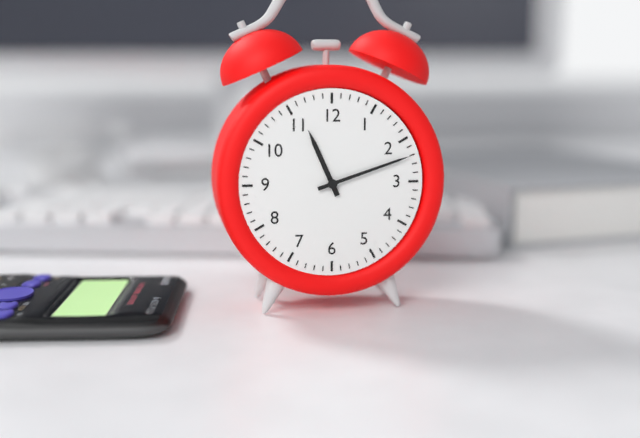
{"hour": 11, "minute": 12}
